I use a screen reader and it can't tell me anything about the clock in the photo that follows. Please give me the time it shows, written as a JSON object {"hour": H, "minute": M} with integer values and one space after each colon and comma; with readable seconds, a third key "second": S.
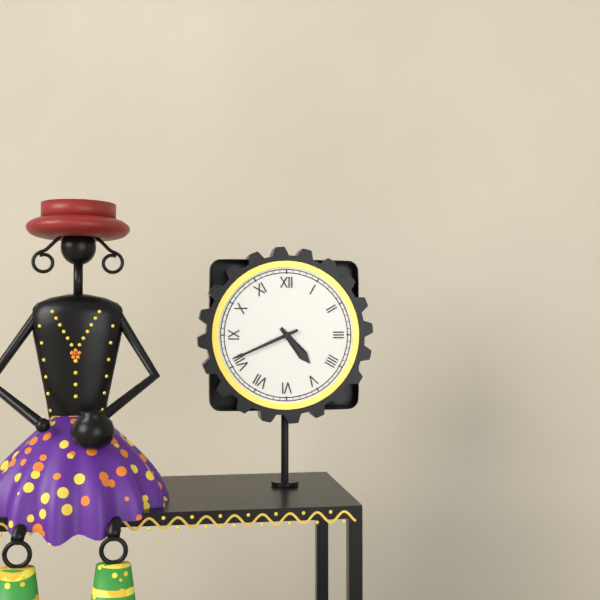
{"hour": 4, "minute": 41}
